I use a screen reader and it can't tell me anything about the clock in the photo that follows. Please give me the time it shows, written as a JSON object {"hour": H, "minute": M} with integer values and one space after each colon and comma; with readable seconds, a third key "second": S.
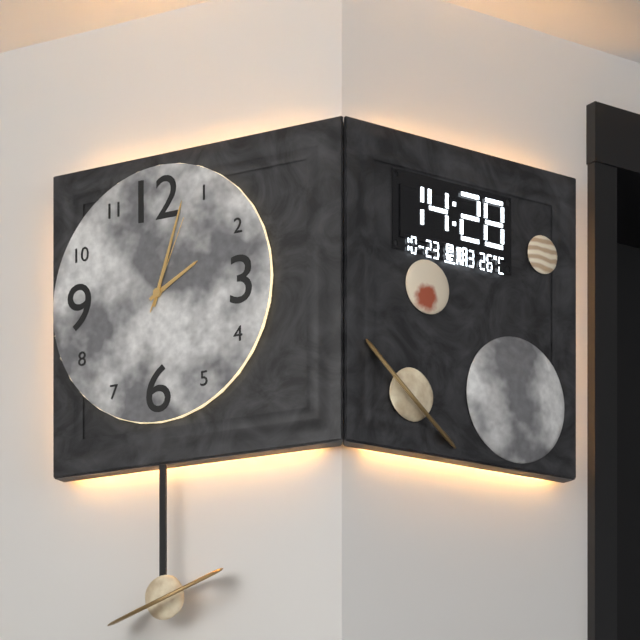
{"hour": 2, "minute": 3, "second": 4}
